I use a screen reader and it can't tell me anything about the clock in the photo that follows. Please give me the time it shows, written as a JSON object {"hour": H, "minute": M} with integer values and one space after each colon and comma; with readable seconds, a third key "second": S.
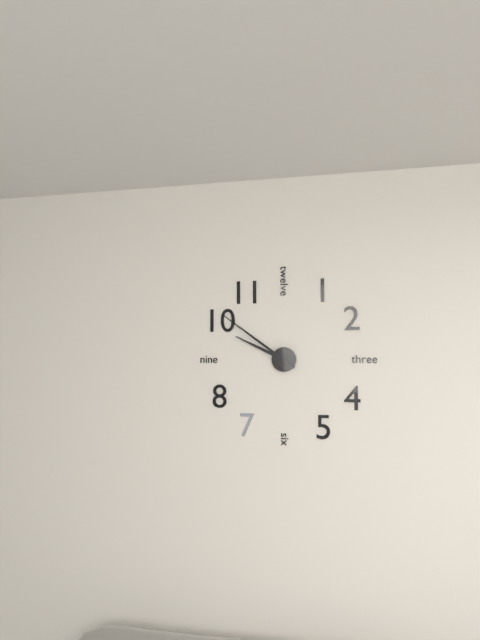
{"hour": 9, "minute": 51}
